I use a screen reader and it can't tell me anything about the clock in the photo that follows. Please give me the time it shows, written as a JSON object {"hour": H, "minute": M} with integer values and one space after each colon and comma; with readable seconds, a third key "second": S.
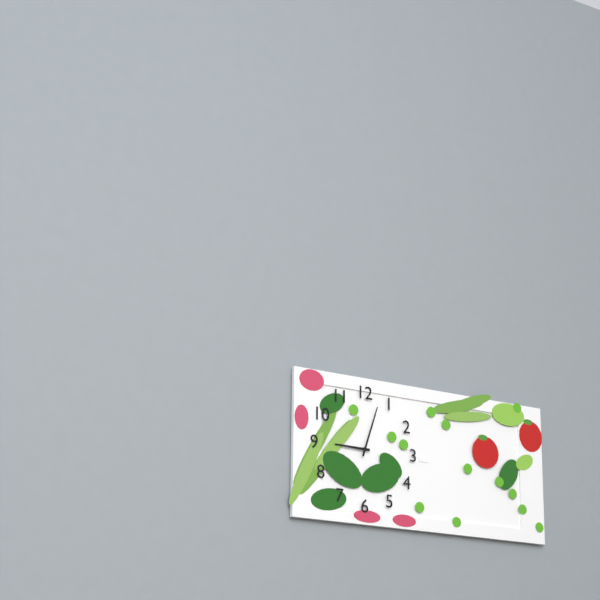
{"hour": 9, "minute": 3}
